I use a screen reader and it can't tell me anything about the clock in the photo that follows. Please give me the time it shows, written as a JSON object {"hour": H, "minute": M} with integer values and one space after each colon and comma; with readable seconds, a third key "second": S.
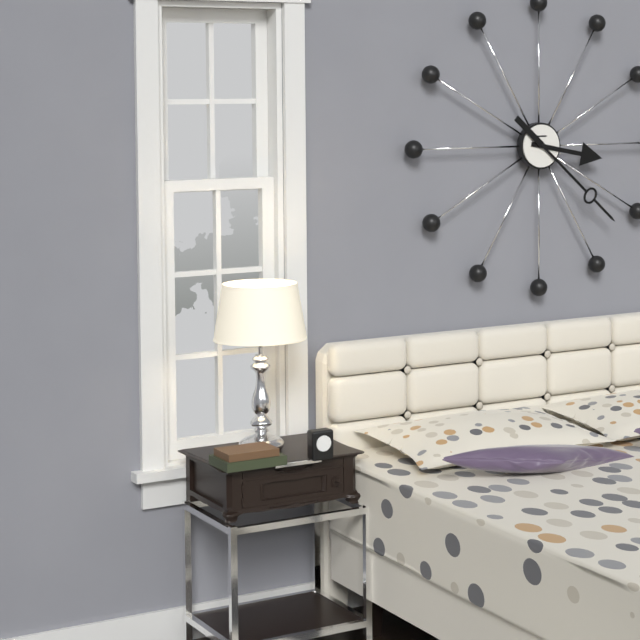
{"hour": 3, "minute": 22}
